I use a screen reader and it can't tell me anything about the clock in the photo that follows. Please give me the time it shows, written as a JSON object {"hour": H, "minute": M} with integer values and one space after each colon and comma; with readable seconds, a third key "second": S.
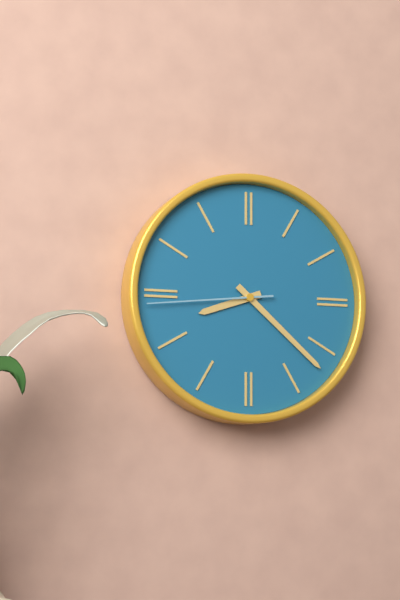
{"hour": 8, "minute": 22, "second": 44}
